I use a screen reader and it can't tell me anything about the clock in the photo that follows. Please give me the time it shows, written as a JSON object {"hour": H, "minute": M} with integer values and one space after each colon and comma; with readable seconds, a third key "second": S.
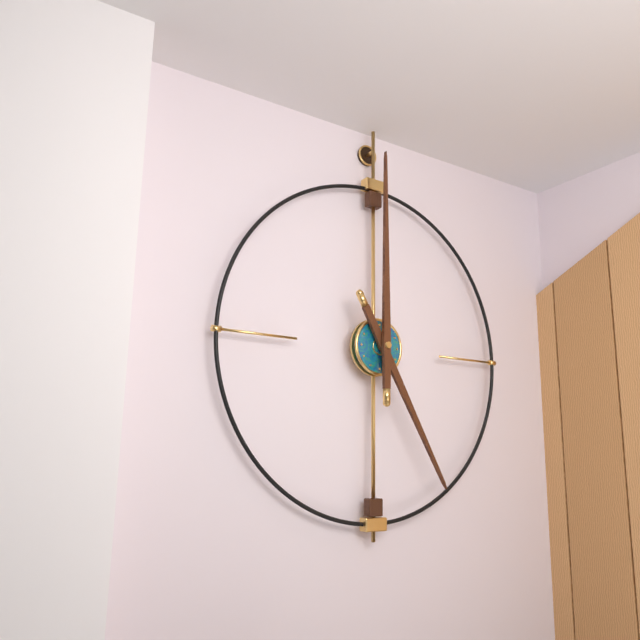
{"hour": 5, "minute": 0}
